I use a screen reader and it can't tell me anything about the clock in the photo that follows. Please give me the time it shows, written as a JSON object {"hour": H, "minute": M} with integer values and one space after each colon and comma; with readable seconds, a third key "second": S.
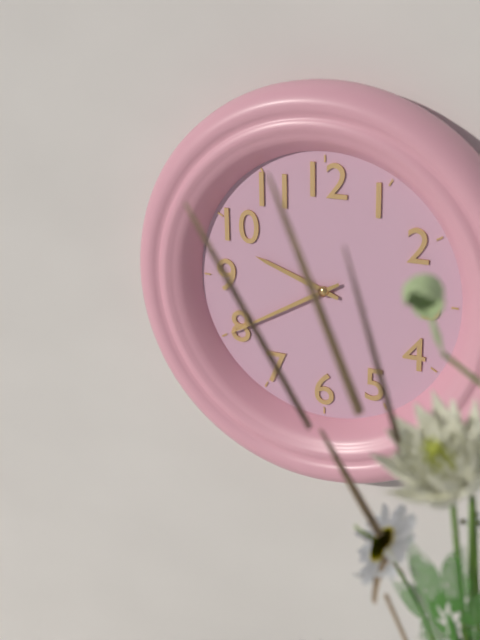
{"hour": 9, "minute": 40}
